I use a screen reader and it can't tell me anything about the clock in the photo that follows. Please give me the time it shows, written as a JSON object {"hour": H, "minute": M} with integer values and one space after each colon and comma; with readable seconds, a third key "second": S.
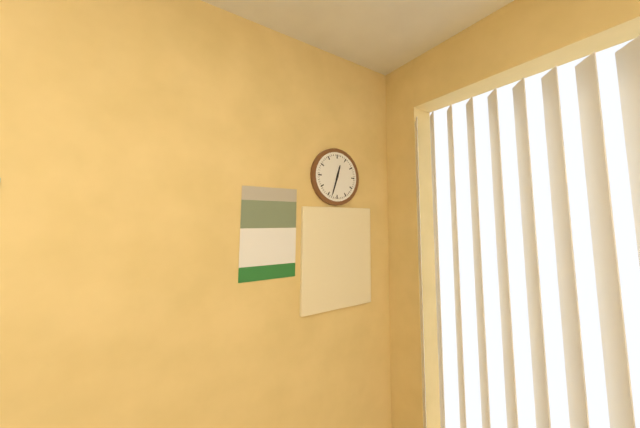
{"hour": 12, "minute": 33}
